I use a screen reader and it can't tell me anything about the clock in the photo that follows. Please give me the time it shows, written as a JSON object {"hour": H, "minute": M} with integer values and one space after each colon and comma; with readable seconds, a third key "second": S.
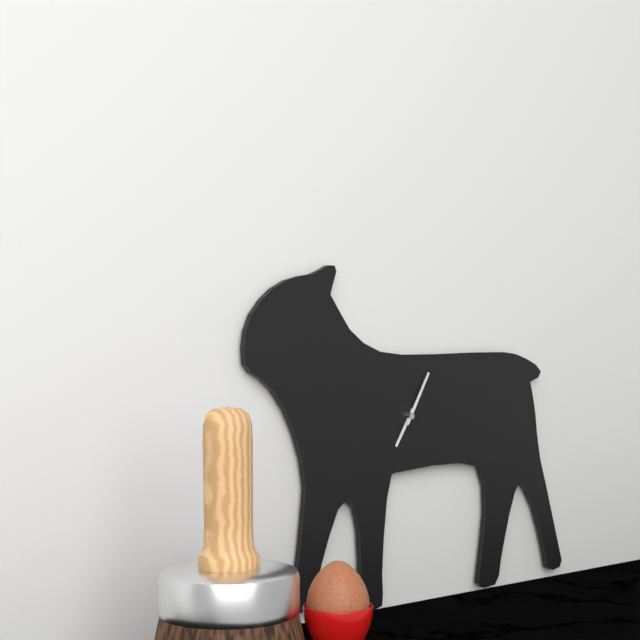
{"hour": 7, "minute": 5}
